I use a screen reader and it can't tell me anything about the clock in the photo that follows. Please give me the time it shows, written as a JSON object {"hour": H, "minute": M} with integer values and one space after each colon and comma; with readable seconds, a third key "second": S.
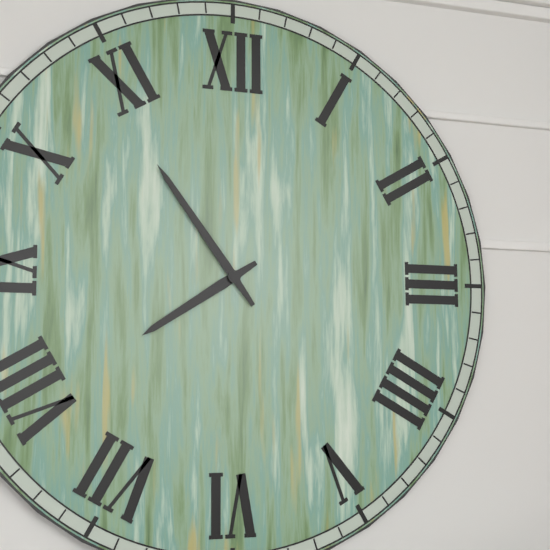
{"hour": 7, "minute": 54}
